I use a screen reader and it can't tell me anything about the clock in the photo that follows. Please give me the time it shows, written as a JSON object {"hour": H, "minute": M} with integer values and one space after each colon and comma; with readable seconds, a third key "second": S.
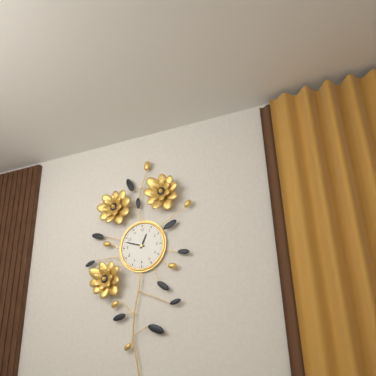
{"hour": 12, "minute": 48}
